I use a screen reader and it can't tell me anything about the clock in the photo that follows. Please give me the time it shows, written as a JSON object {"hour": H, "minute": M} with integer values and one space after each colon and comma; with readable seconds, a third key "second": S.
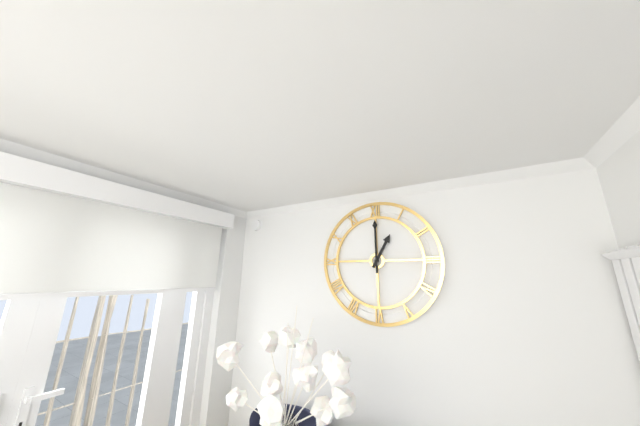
{"hour": 1, "minute": 0}
